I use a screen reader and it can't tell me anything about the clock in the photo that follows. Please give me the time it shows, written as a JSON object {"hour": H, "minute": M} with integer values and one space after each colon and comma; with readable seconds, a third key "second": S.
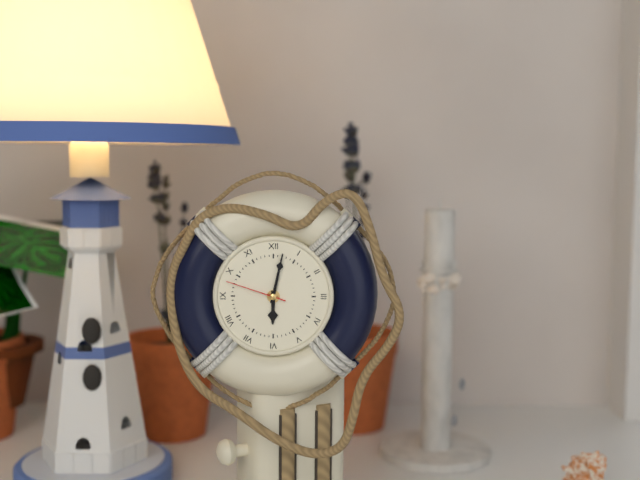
{"hour": 6, "minute": 2, "second": 48}
